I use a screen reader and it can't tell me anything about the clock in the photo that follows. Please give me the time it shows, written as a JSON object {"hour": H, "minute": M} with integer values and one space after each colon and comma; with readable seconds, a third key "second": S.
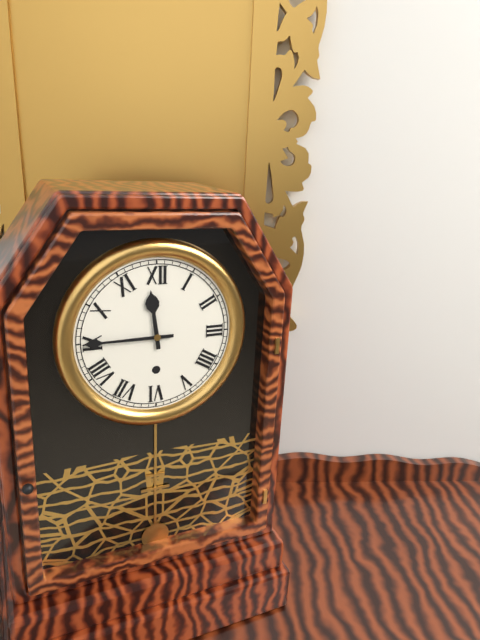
{"hour": 11, "minute": 45}
